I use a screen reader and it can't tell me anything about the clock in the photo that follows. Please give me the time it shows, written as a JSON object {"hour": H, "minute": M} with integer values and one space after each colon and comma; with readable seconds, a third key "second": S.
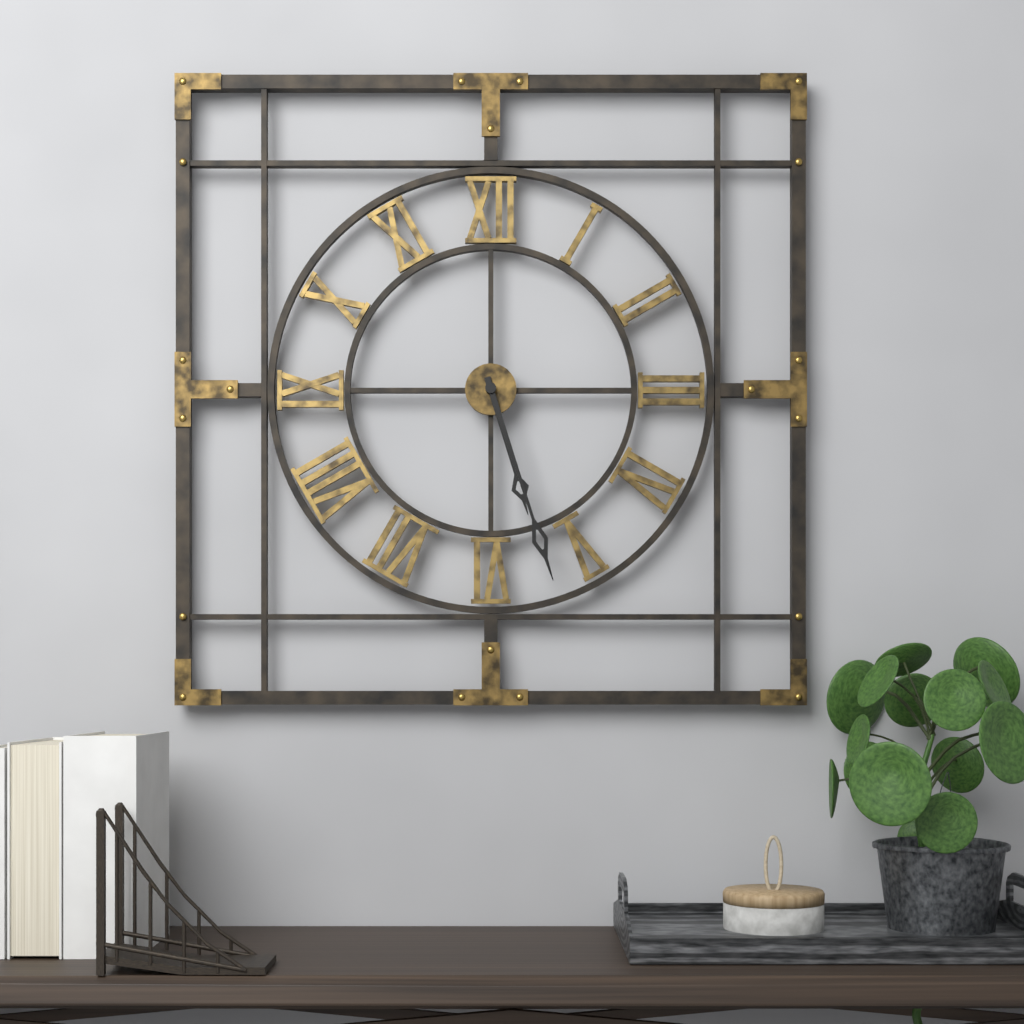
{"hour": 5, "minute": 27}
